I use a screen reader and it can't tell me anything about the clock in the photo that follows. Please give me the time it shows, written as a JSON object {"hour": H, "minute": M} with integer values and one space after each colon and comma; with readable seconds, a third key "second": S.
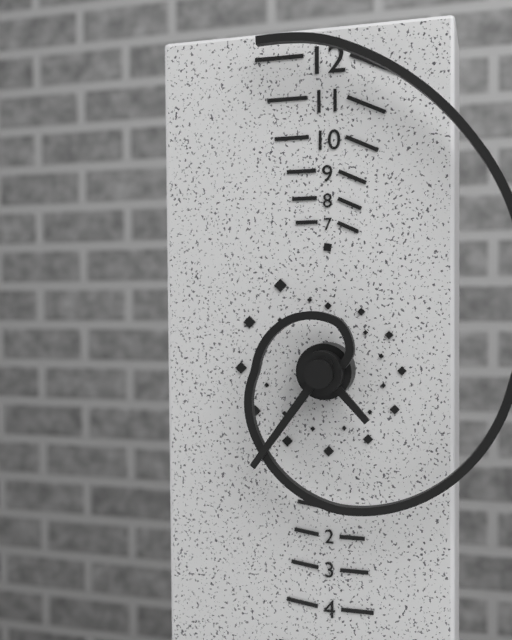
{"hour": 4, "minute": 36}
